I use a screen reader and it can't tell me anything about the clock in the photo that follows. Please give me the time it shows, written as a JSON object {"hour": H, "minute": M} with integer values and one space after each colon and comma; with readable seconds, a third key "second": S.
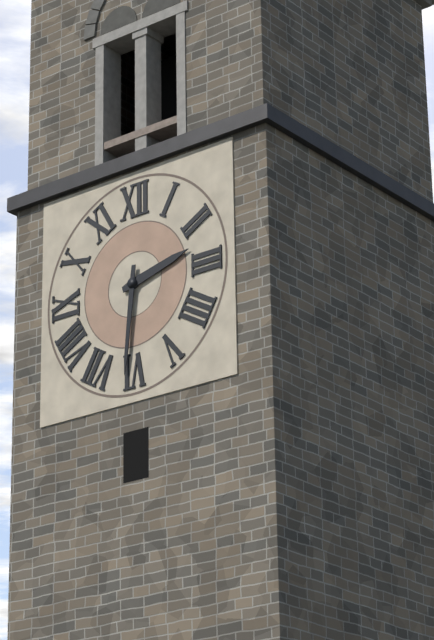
{"hour": 2, "minute": 31}
